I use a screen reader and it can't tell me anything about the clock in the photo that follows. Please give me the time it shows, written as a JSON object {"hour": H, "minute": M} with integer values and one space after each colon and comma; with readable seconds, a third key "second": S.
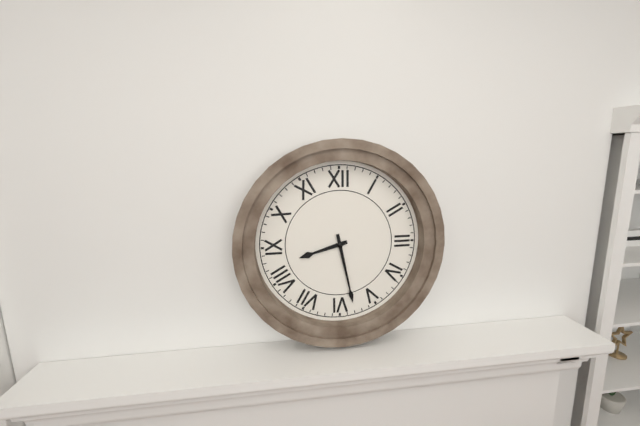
{"hour": 8, "minute": 28}
